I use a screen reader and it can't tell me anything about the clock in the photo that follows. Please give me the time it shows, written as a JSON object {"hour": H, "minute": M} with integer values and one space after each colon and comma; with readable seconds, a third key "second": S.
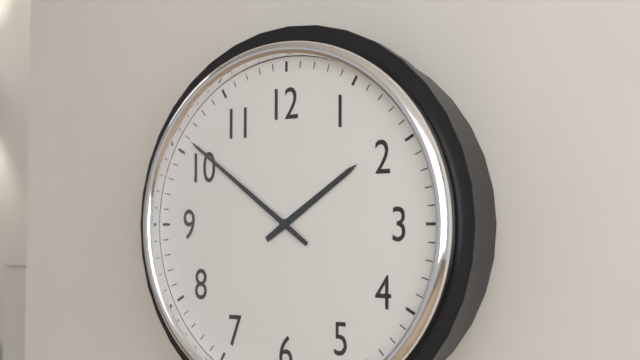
{"hour": 1, "minute": 51}
